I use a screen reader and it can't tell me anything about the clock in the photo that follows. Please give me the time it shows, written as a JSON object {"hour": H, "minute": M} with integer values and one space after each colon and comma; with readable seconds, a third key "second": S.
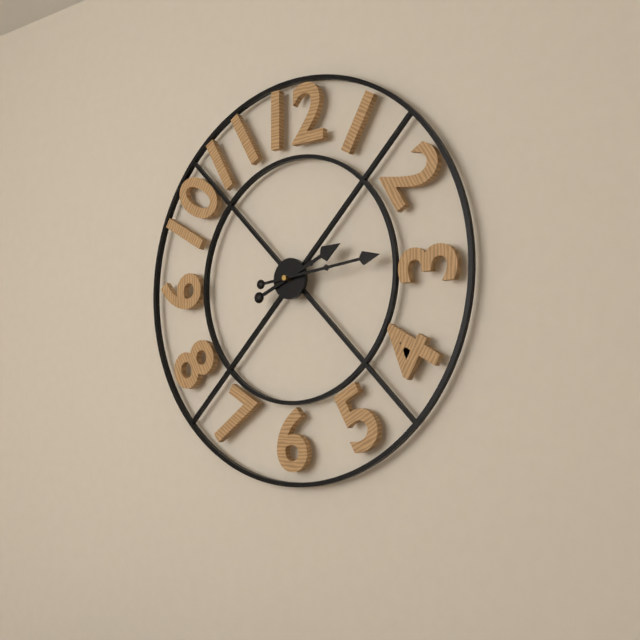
{"hour": 2, "minute": 14}
